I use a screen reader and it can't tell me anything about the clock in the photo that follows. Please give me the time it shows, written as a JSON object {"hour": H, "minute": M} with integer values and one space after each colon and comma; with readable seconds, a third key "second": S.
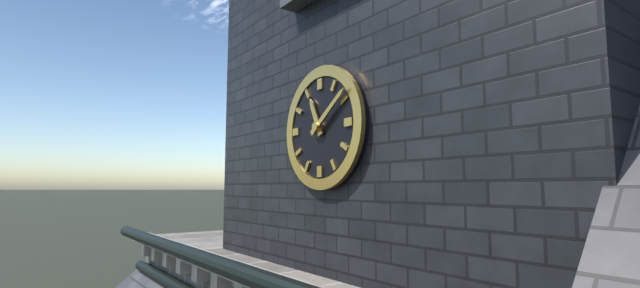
{"hour": 11, "minute": 9}
